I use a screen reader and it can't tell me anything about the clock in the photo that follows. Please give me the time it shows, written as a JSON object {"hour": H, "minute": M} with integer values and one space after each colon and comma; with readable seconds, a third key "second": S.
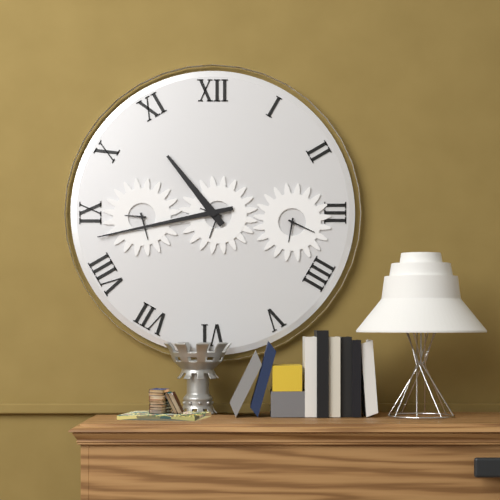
{"hour": 10, "minute": 43}
